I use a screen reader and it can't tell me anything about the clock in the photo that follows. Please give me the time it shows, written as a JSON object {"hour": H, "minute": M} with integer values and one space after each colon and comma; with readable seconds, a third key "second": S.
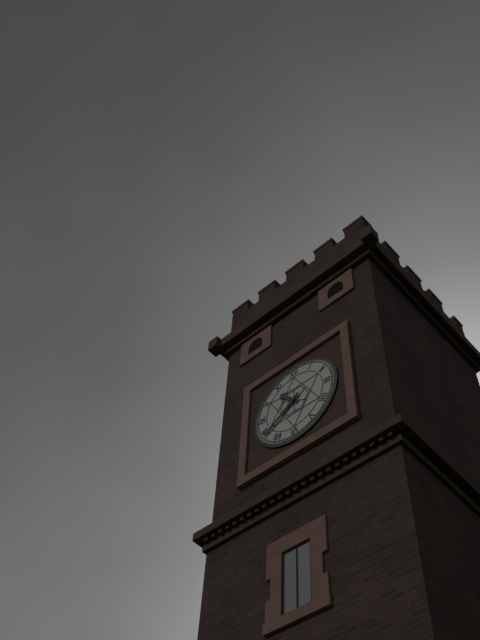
{"hour": 10, "minute": 39}
